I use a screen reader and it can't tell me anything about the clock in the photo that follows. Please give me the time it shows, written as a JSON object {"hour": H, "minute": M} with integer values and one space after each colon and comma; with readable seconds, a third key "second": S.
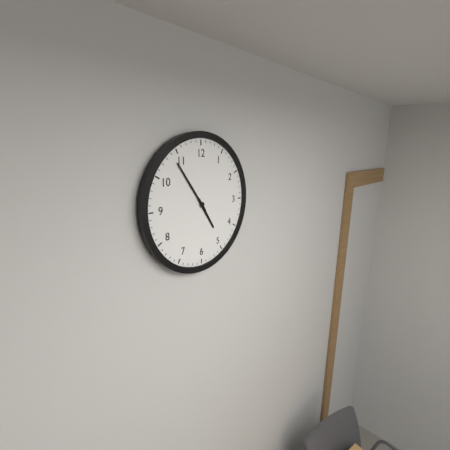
{"hour": 4, "minute": 54}
